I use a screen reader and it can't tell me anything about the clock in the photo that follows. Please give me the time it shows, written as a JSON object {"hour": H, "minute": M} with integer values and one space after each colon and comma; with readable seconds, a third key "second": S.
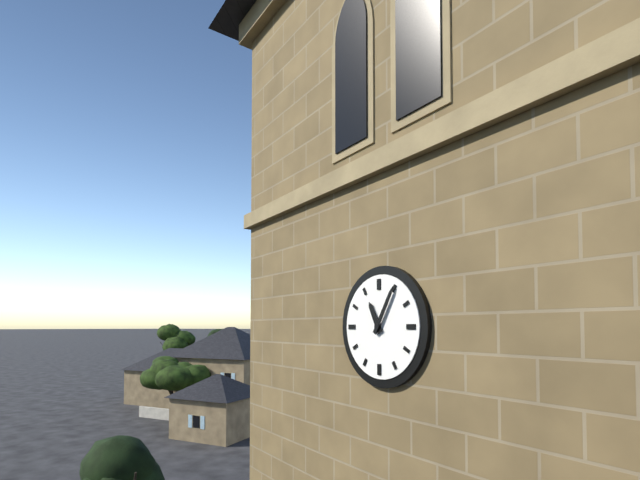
{"hour": 11, "minute": 5}
